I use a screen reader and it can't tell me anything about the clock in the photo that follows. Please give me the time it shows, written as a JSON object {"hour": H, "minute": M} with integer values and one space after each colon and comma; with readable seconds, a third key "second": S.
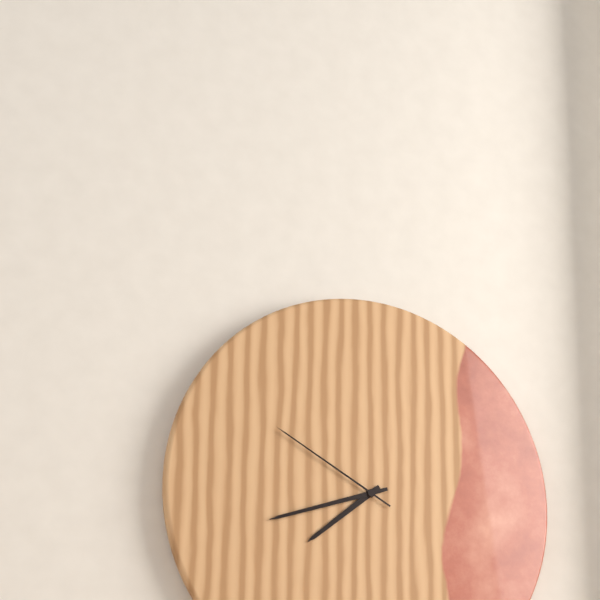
{"hour": 7, "minute": 42, "second": 50}
